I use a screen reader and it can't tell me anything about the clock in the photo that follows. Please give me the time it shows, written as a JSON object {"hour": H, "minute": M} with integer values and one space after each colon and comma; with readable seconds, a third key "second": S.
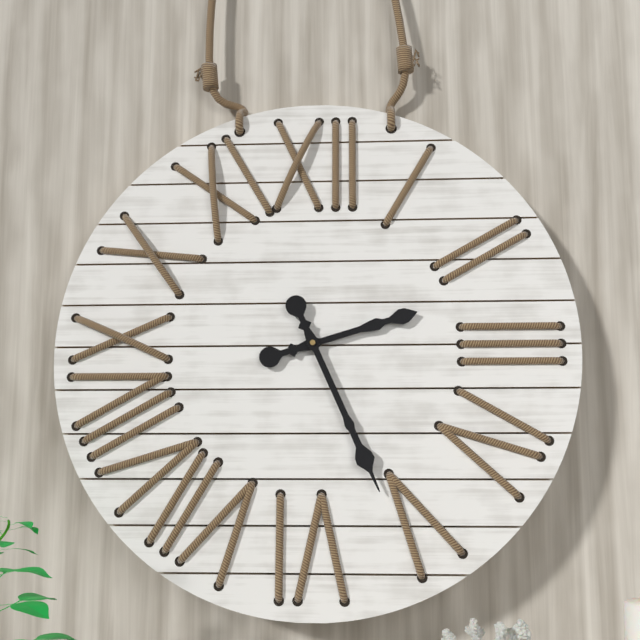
{"hour": 2, "minute": 26}
